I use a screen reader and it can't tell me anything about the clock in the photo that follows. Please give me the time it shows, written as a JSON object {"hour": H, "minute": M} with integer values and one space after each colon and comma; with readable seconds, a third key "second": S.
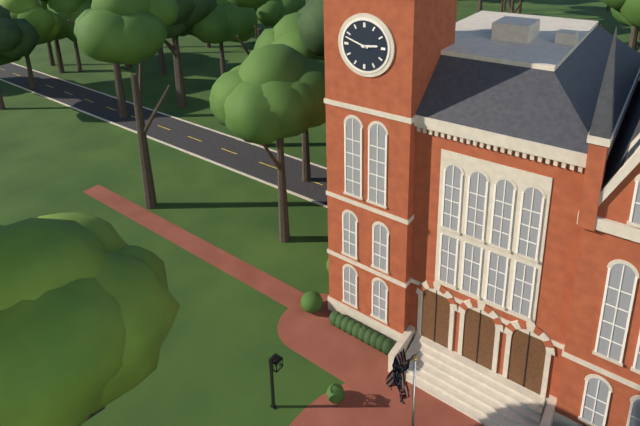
{"hour": 2, "minute": 48}
